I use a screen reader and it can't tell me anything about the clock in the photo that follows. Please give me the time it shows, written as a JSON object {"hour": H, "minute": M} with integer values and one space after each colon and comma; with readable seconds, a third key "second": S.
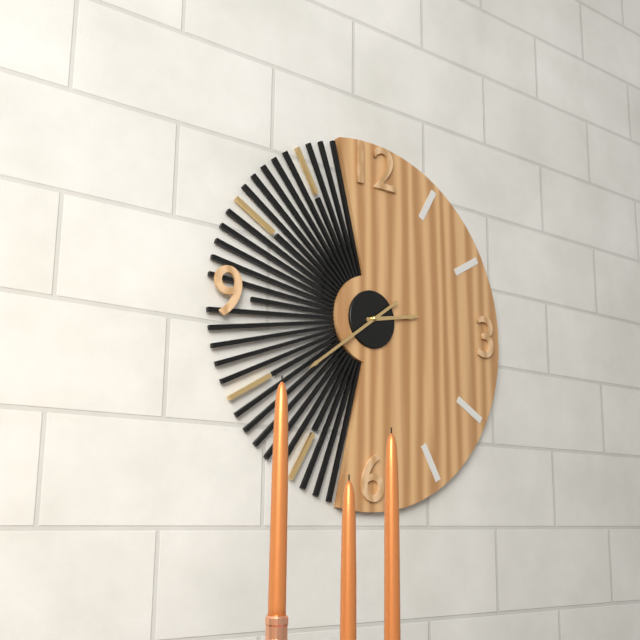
{"hour": 2, "minute": 39}
